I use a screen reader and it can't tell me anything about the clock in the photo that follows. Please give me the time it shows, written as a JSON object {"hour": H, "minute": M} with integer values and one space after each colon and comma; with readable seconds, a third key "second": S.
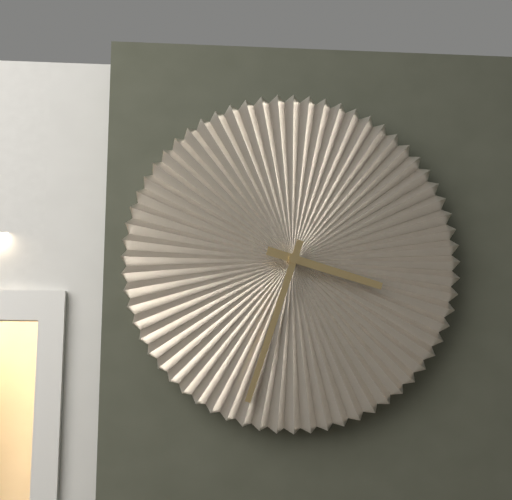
{"hour": 3, "minute": 33}
